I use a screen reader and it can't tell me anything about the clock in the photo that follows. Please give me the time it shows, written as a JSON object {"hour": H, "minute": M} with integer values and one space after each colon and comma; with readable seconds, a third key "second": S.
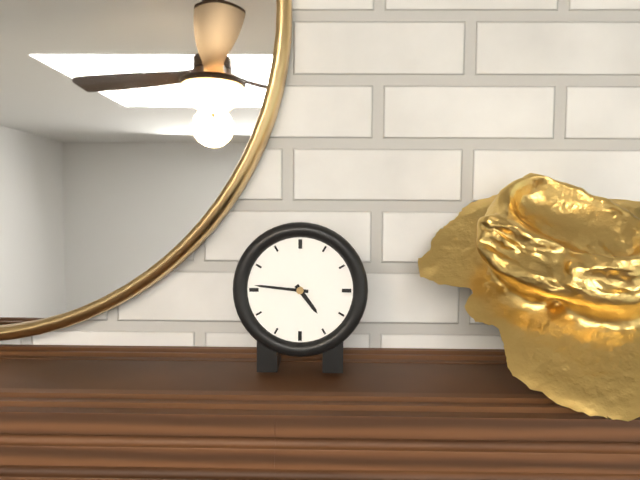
{"hour": 4, "minute": 46}
